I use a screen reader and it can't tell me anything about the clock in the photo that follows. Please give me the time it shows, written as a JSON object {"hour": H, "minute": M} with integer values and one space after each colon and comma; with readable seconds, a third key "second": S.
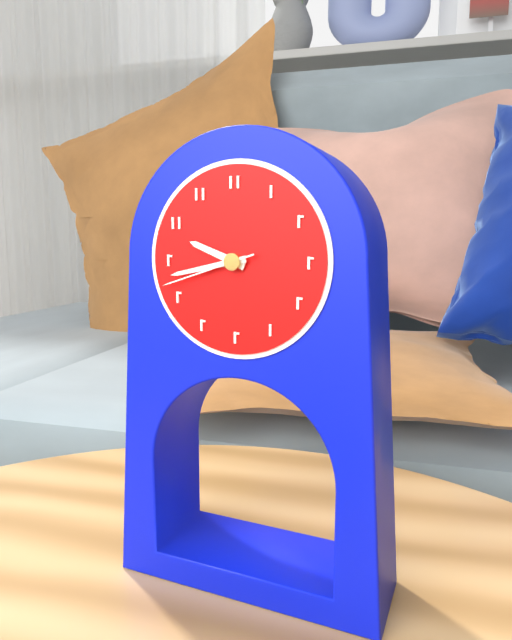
{"hour": 9, "minute": 43, "second": 42}
